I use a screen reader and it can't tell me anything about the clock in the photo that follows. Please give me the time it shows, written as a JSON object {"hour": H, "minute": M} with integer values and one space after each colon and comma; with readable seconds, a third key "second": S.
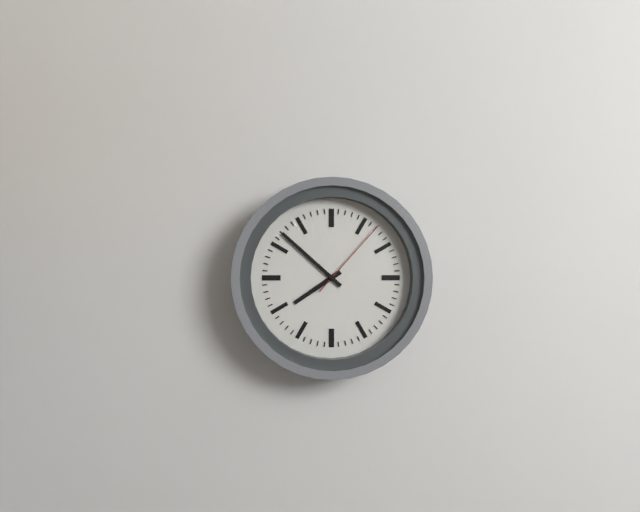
{"hour": 7, "minute": 52, "second": 7}
